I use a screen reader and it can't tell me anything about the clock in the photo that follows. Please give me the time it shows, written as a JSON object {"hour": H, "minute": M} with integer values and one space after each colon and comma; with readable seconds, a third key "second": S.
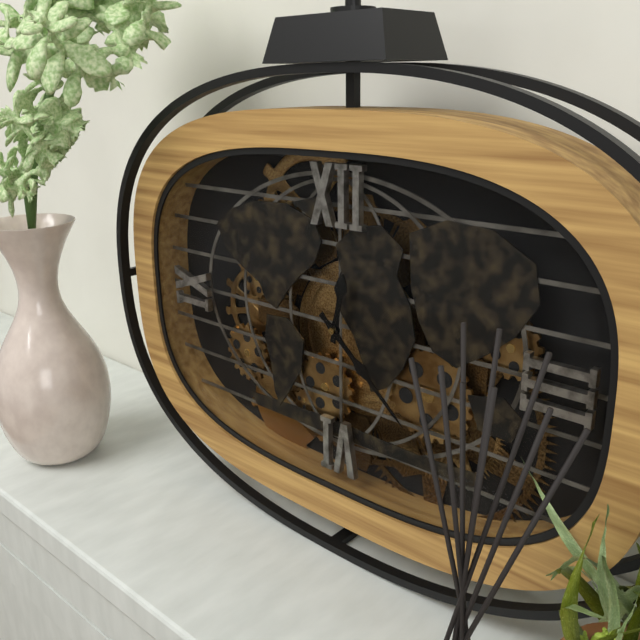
{"hour": 12, "minute": 22}
